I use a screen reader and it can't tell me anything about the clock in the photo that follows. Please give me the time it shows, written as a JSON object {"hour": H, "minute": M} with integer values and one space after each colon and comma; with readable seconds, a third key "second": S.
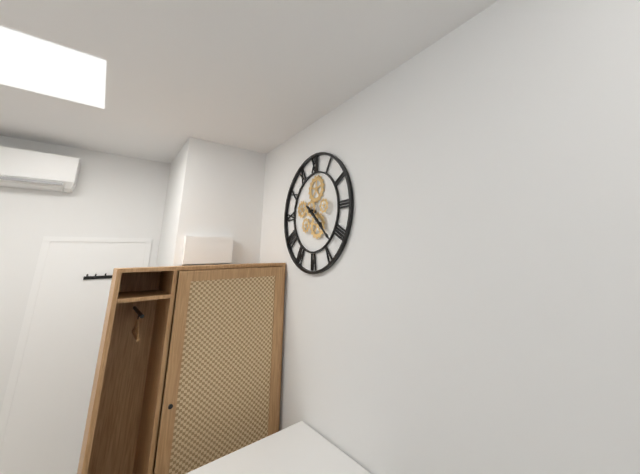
{"hour": 4, "minute": 22}
